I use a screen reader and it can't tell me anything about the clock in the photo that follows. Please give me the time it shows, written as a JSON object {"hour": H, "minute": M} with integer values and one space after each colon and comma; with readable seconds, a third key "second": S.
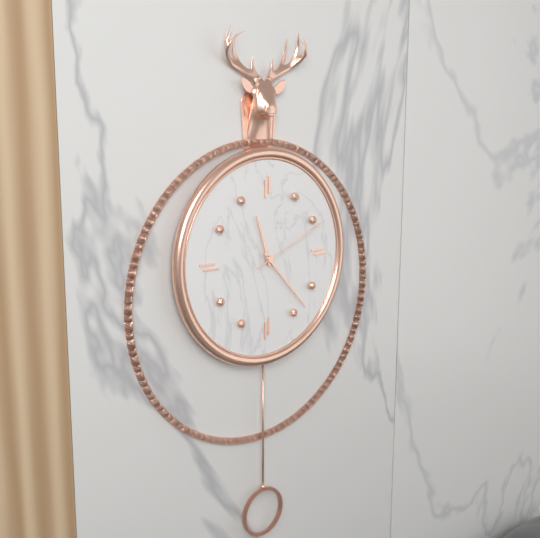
{"hour": 11, "minute": 23, "second": 11}
